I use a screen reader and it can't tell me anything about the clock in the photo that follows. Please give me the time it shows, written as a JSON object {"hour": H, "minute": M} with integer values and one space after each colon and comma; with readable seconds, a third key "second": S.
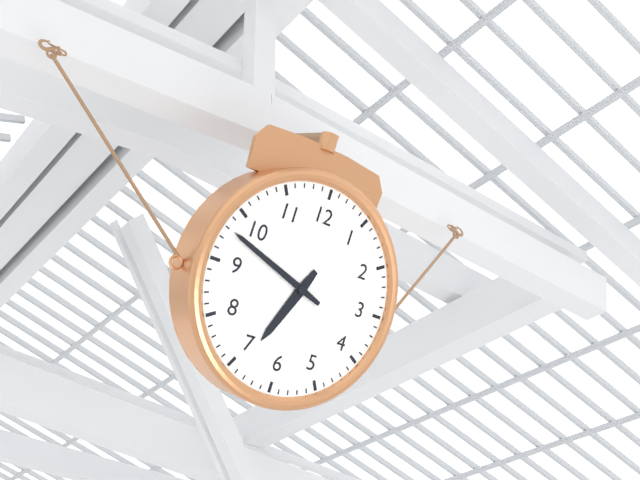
{"hour": 6, "minute": 48}
